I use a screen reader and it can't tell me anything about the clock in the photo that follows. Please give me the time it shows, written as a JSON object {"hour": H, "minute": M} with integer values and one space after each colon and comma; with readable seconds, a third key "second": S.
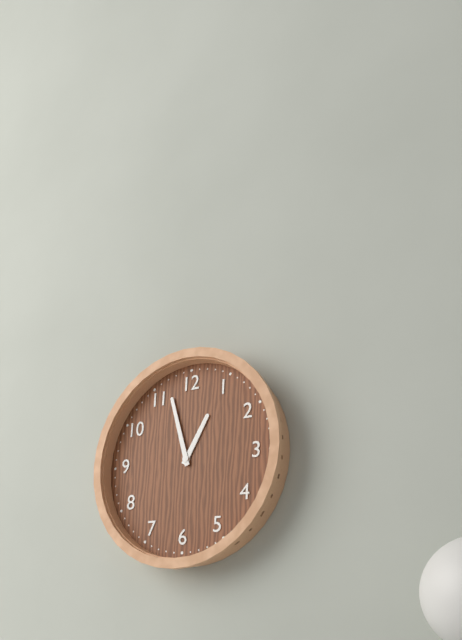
{"hour": 12, "minute": 57}
